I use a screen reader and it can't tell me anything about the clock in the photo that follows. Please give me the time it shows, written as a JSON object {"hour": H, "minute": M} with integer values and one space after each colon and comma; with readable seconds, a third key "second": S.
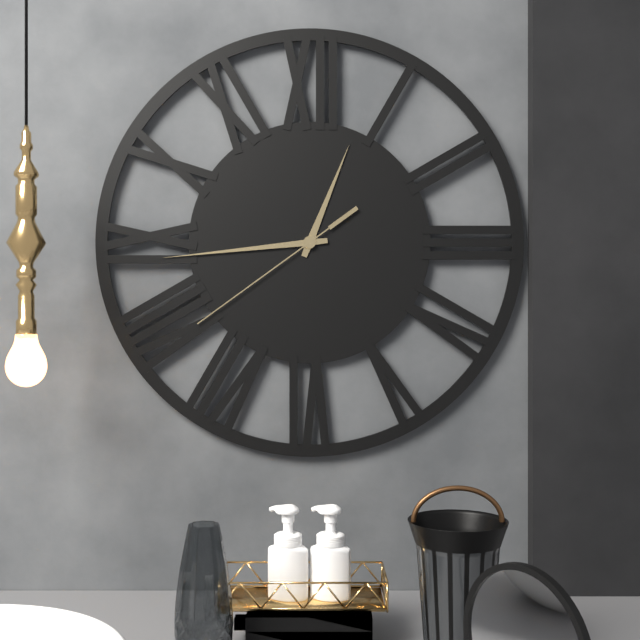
{"hour": 12, "minute": 44, "second": 39}
